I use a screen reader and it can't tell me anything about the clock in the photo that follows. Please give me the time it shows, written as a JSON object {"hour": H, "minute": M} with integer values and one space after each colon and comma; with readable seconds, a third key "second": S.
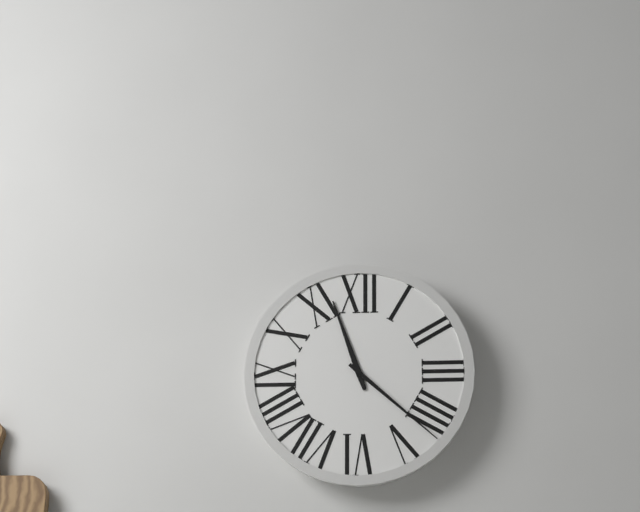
{"hour": 11, "minute": 22}
